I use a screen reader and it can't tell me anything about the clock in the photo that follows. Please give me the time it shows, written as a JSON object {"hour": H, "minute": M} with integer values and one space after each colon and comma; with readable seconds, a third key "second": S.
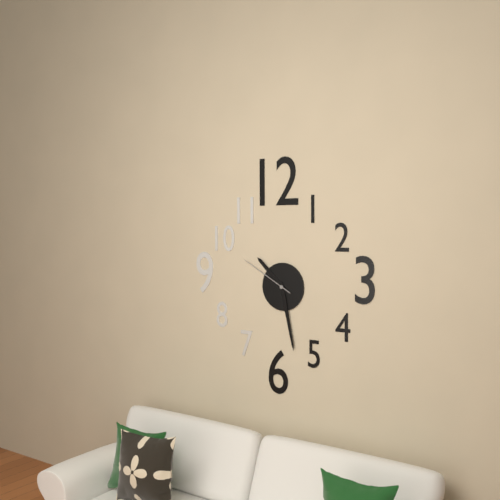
{"hour": 10, "minute": 28, "second": 50}
